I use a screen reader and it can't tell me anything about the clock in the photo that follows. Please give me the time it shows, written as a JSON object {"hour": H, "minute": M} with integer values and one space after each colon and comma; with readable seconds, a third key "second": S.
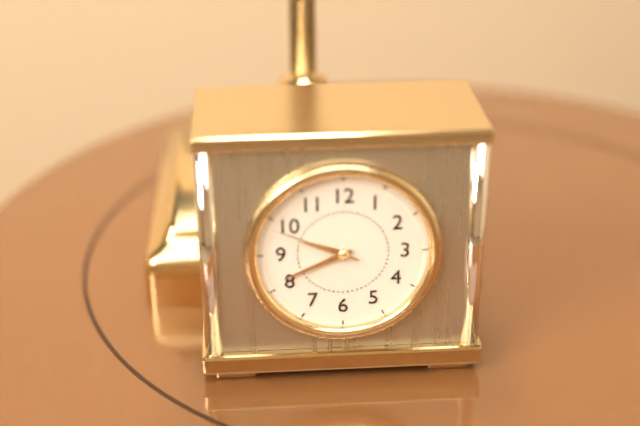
{"hour": 9, "minute": 41, "second": 49}
